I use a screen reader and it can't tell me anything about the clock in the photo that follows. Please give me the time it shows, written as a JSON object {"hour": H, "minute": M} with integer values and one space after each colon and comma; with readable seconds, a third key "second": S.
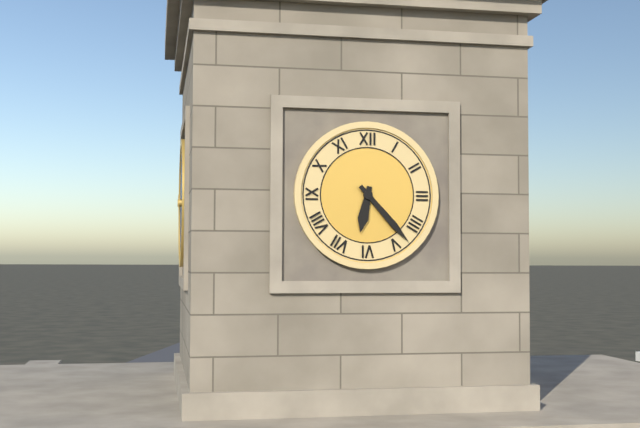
{"hour": 6, "minute": 23}
